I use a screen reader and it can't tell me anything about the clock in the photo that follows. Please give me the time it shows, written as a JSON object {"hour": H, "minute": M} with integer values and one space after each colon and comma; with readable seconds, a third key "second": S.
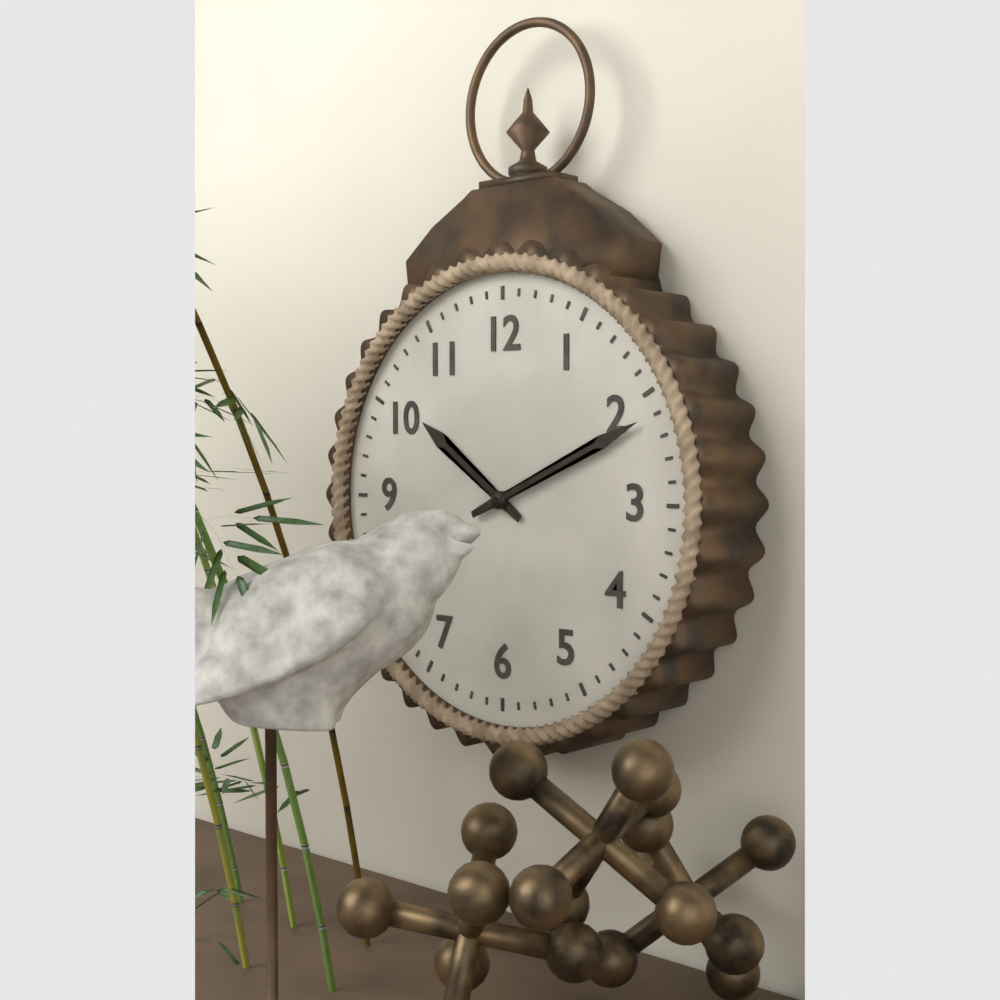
{"hour": 10, "minute": 11}
